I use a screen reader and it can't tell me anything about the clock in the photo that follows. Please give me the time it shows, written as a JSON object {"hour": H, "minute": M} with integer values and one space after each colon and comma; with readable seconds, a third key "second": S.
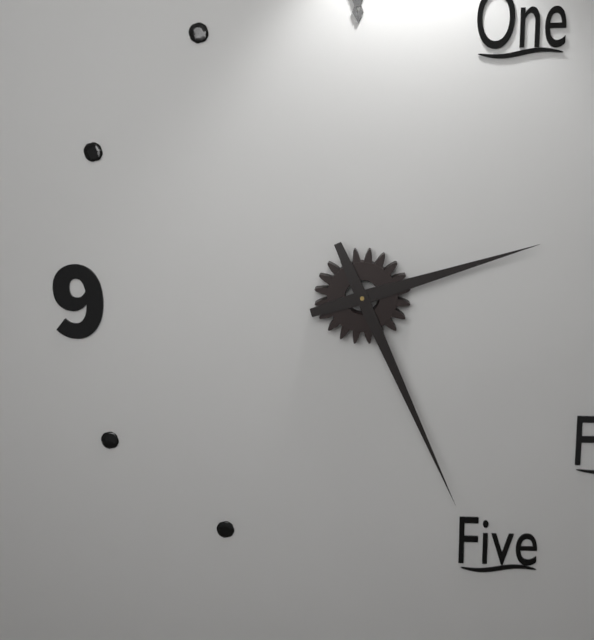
{"hour": 2, "minute": 26}
